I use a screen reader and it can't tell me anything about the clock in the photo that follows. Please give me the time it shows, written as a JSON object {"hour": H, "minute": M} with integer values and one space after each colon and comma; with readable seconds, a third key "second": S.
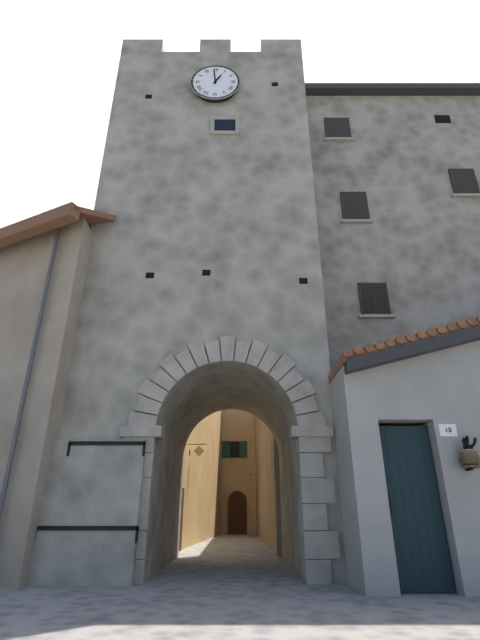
{"hour": 12, "minute": 59}
